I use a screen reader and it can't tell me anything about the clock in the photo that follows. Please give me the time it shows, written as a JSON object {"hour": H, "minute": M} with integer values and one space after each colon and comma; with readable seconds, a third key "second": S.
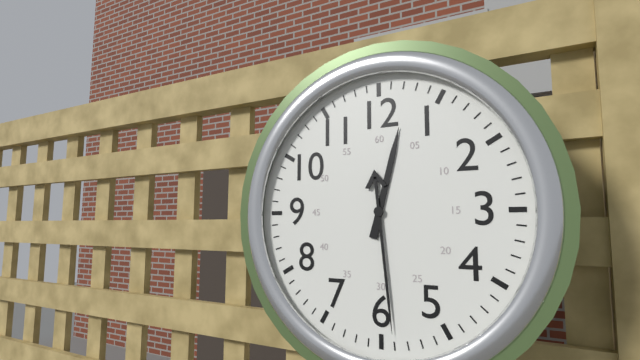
{"hour": 12, "minute": 29}
